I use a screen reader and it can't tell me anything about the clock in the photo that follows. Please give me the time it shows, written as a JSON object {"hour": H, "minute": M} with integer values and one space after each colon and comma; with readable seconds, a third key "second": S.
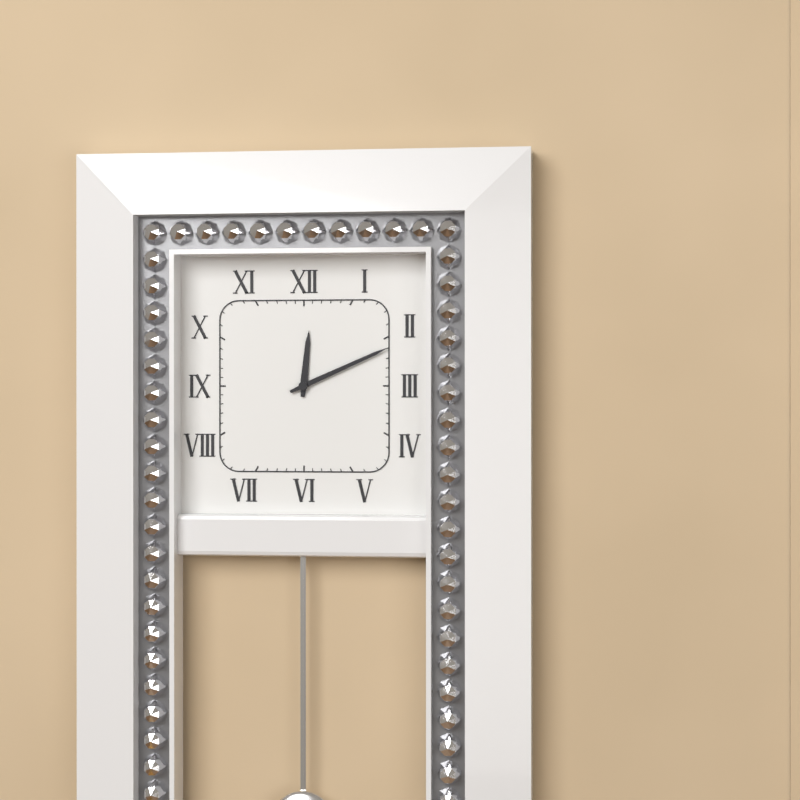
{"hour": 12, "minute": 11}
